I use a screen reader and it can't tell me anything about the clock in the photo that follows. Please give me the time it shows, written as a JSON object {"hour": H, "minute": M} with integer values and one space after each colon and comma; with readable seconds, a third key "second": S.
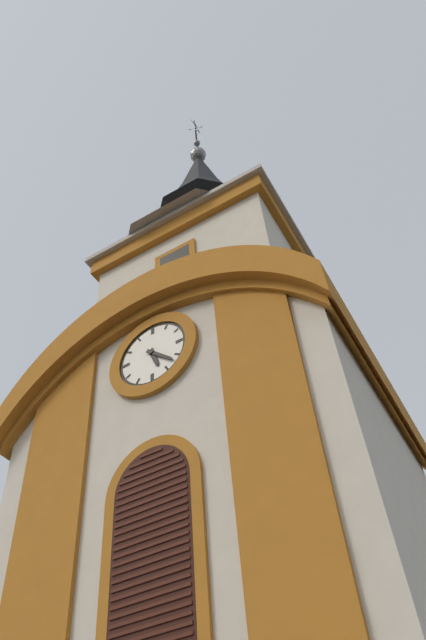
{"hour": 5, "minute": 22}
